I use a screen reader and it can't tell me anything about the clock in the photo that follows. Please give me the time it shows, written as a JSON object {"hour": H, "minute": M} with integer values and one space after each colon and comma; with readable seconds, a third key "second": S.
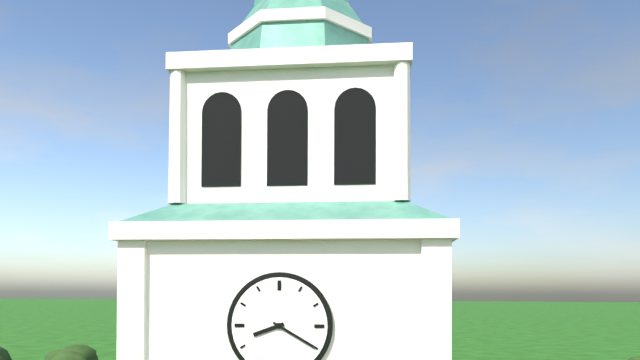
{"hour": 8, "minute": 20}
